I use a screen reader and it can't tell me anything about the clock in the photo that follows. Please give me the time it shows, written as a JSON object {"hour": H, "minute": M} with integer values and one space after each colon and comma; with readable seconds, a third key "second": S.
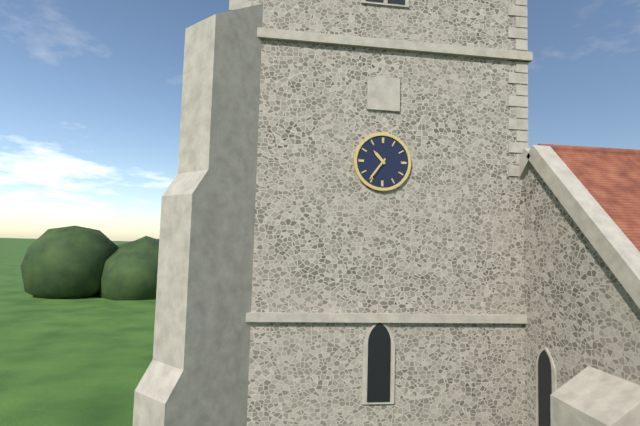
{"hour": 10, "minute": 36}
